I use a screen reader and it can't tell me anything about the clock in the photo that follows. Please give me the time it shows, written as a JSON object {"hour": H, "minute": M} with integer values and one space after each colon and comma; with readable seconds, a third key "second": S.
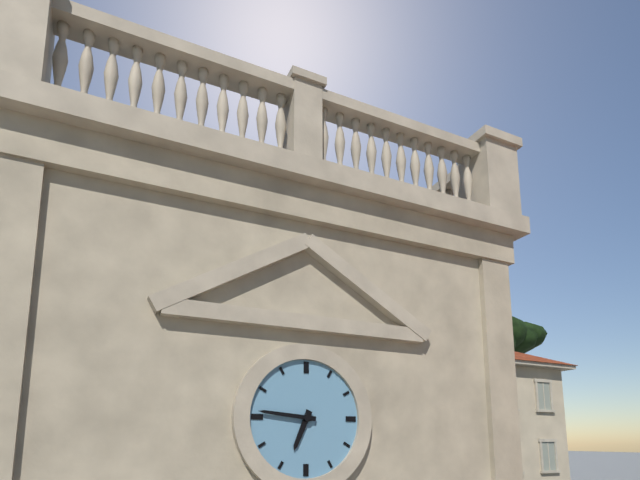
{"hour": 6, "minute": 46}
